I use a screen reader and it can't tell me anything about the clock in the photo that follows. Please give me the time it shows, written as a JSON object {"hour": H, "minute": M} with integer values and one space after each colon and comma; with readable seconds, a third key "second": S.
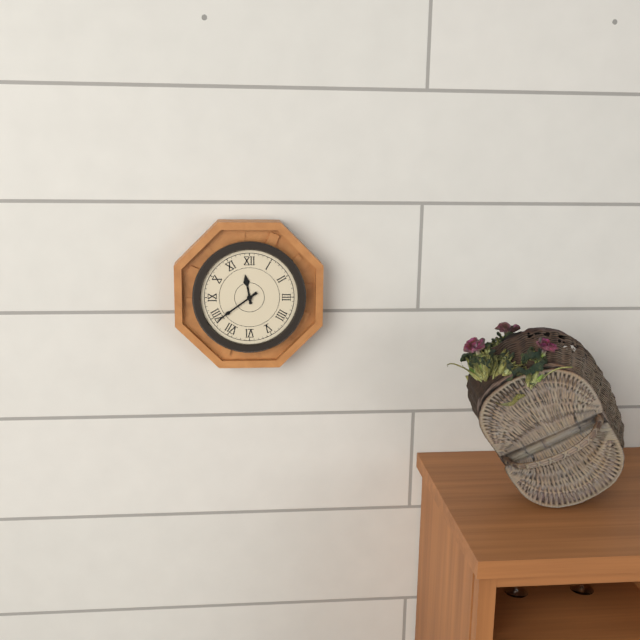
{"hour": 11, "minute": 39}
